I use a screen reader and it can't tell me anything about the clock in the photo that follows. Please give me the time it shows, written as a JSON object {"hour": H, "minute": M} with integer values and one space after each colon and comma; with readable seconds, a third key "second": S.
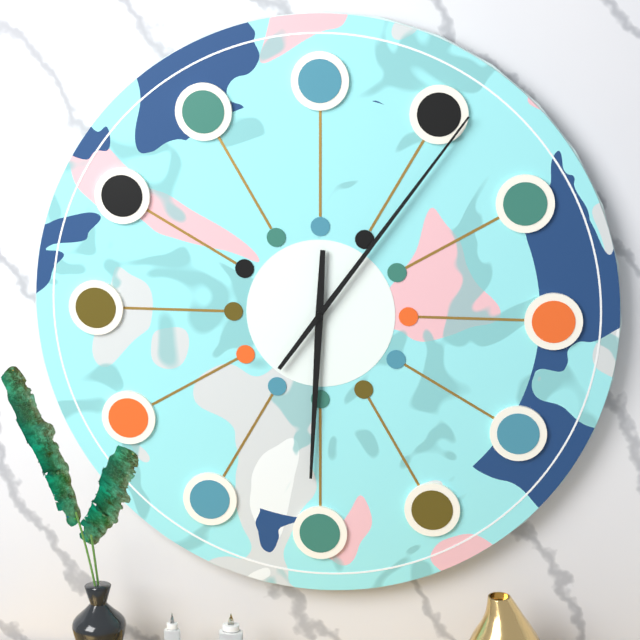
{"hour": 6, "minute": 6}
